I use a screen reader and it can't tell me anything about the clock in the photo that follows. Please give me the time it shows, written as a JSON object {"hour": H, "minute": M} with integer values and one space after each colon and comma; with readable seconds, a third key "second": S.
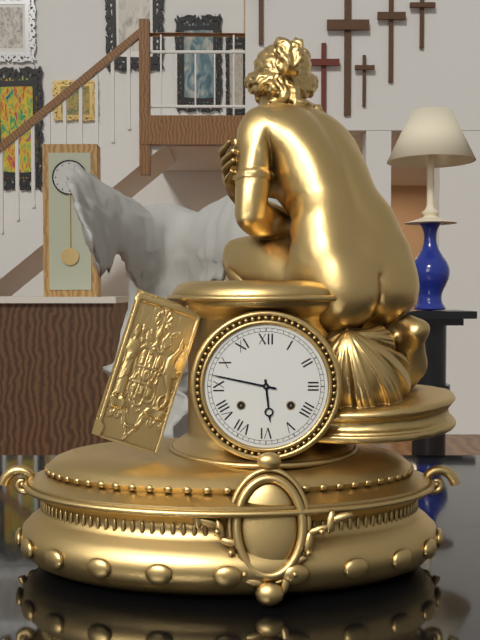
{"hour": 5, "minute": 47}
